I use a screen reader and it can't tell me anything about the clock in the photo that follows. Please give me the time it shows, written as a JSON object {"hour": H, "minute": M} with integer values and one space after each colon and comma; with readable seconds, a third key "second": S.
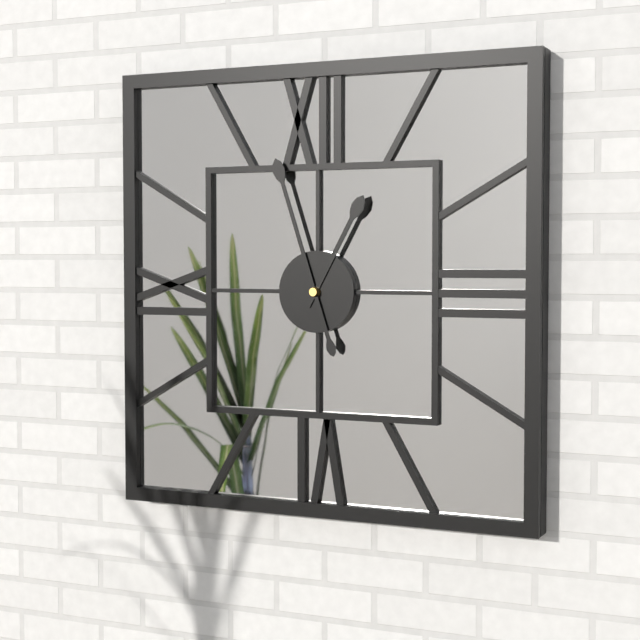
{"hour": 12, "minute": 57}
